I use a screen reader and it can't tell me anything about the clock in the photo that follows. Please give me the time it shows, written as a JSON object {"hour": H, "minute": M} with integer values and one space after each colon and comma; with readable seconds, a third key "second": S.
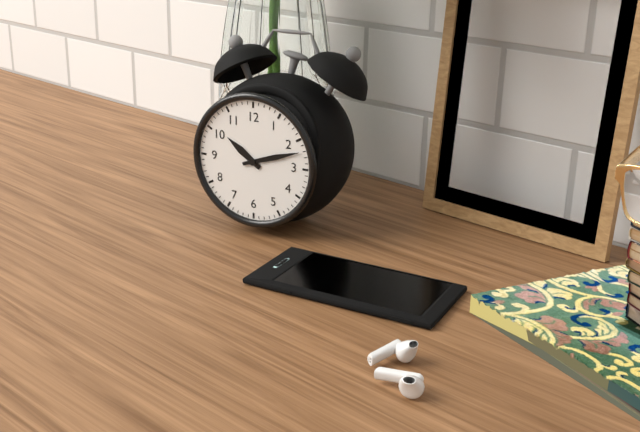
{"hour": 10, "minute": 12}
